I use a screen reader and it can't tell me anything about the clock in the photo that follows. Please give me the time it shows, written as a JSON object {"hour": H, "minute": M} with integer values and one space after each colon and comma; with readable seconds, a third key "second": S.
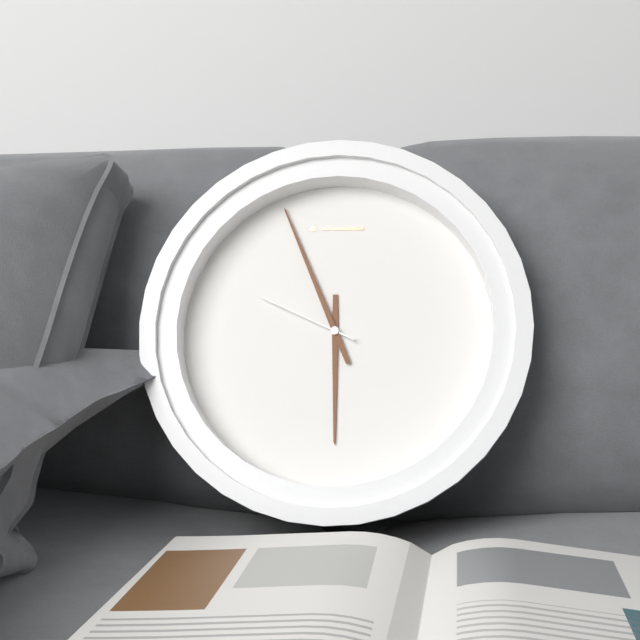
{"hour": 5, "minute": 56, "second": 49}
